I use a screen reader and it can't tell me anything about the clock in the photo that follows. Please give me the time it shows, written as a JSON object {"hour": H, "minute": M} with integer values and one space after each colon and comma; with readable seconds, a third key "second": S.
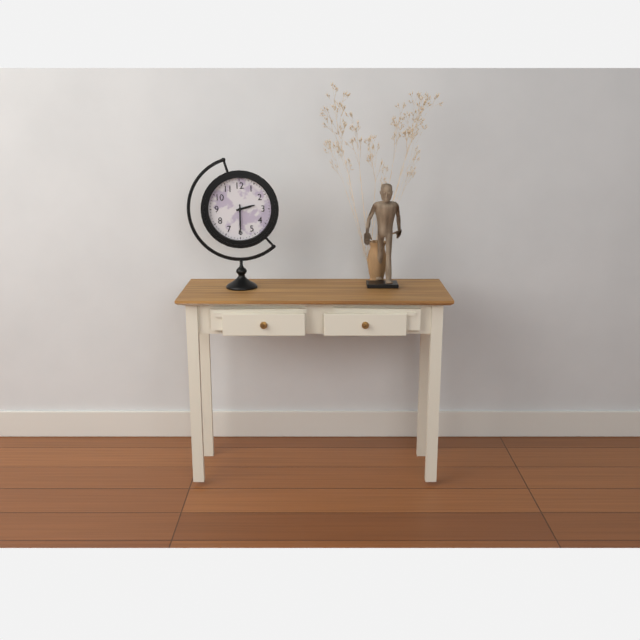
{"hour": 2, "minute": 30}
